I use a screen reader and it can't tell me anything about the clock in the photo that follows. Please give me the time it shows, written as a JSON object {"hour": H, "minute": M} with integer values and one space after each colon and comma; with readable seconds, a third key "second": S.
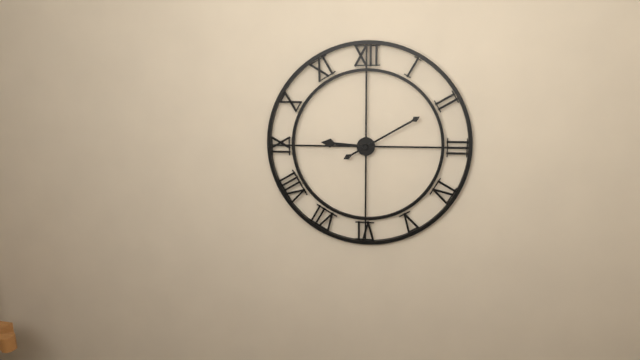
{"hour": 9, "minute": 10}
